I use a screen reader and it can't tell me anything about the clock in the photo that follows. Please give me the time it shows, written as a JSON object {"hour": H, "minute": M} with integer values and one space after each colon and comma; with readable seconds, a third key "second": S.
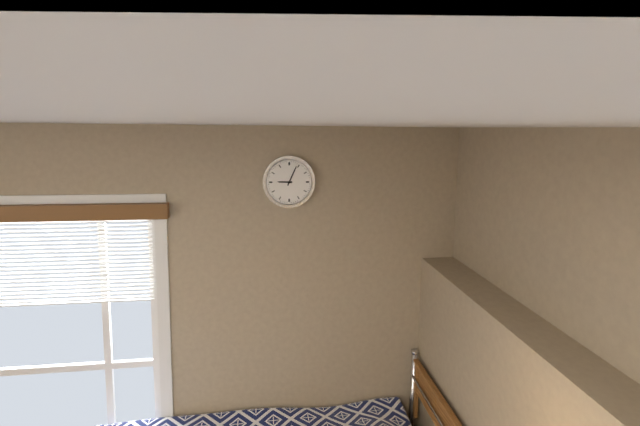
{"hour": 9, "minute": 4}
